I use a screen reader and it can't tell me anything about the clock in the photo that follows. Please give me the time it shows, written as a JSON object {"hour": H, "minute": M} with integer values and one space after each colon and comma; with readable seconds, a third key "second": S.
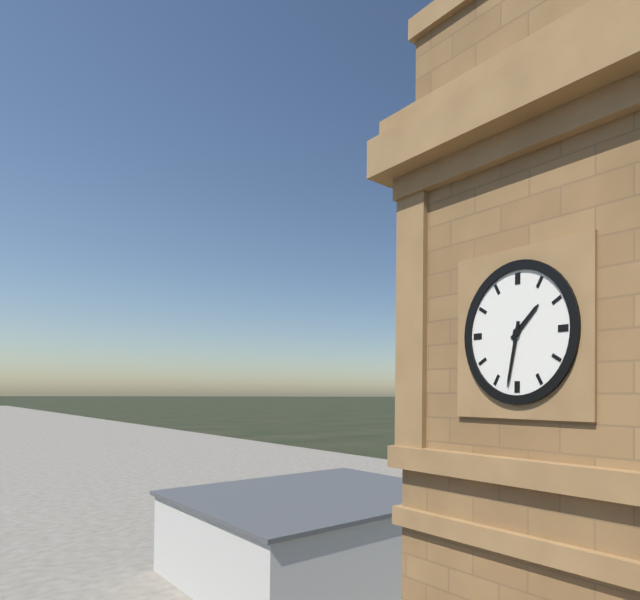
{"hour": 1, "minute": 32}
